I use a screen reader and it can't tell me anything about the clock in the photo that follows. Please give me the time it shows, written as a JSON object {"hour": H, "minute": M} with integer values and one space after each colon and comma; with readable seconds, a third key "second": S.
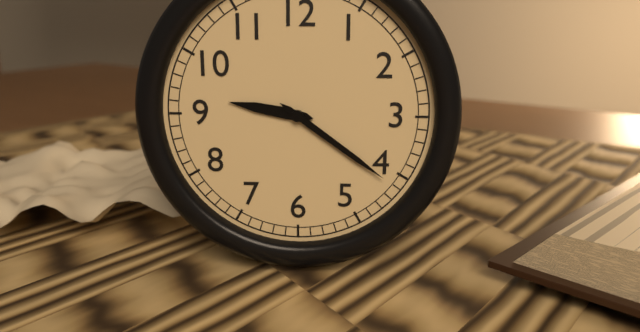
{"hour": 9, "minute": 21}
